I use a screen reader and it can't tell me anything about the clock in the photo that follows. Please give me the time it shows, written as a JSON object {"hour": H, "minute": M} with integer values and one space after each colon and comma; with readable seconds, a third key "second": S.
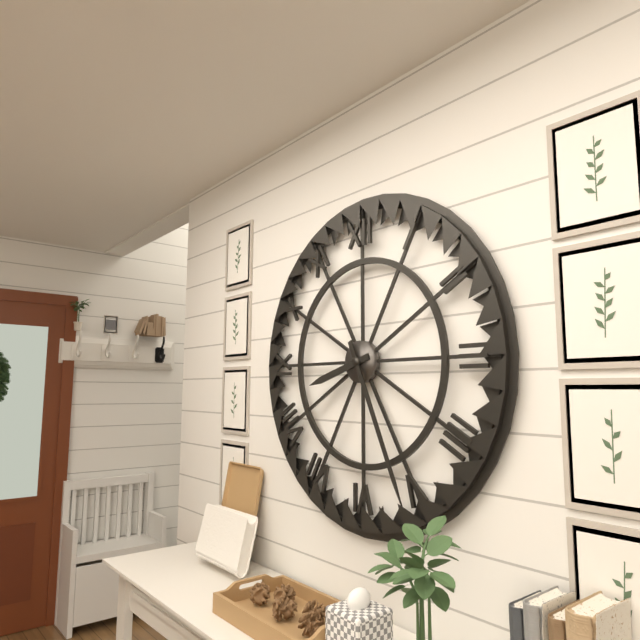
{"hour": 8, "minute": 26}
